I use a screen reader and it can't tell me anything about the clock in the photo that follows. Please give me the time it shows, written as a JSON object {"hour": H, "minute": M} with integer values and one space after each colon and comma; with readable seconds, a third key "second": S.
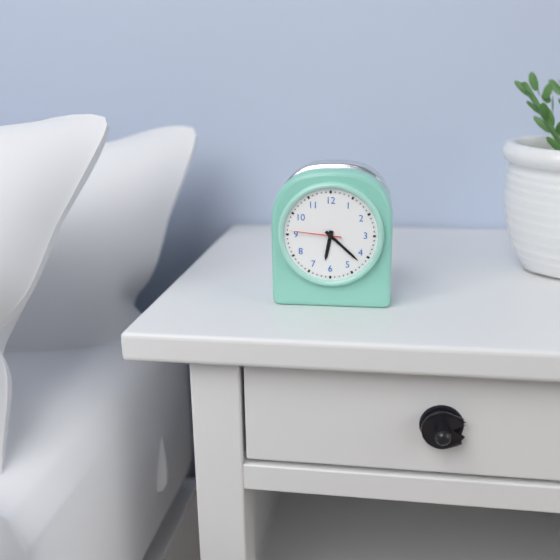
{"hour": 6, "minute": 22, "second": 46}
